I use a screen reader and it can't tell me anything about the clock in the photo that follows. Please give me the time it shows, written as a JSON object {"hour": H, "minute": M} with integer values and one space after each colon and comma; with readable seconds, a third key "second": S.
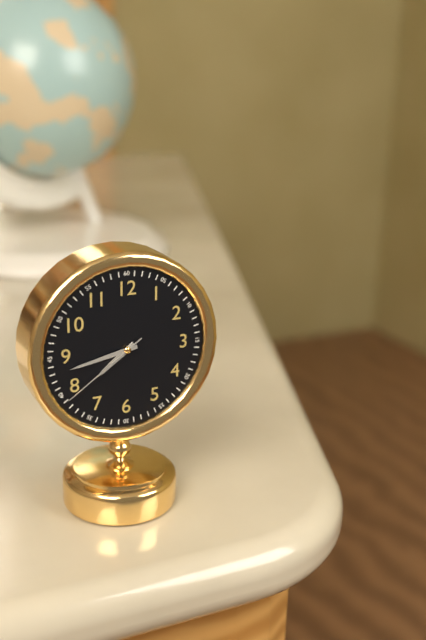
{"hour": 7, "minute": 43, "second": 39}
